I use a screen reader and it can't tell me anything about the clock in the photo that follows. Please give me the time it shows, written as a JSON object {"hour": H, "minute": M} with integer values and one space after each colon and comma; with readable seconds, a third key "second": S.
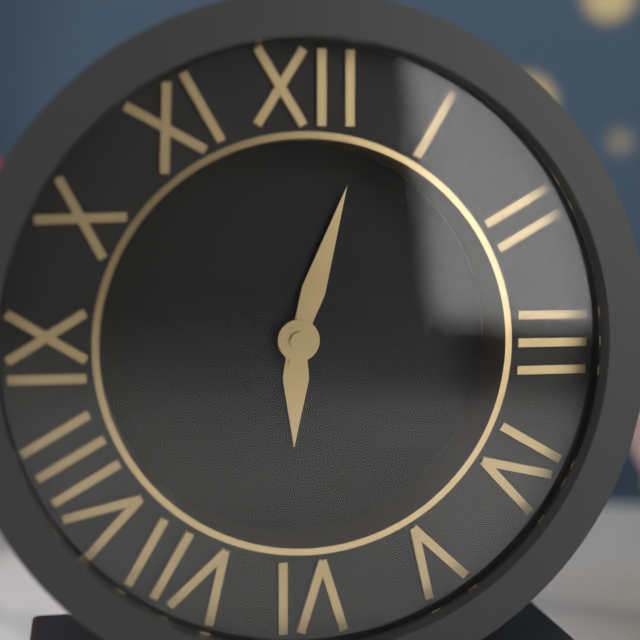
{"hour": 6, "minute": 3}
